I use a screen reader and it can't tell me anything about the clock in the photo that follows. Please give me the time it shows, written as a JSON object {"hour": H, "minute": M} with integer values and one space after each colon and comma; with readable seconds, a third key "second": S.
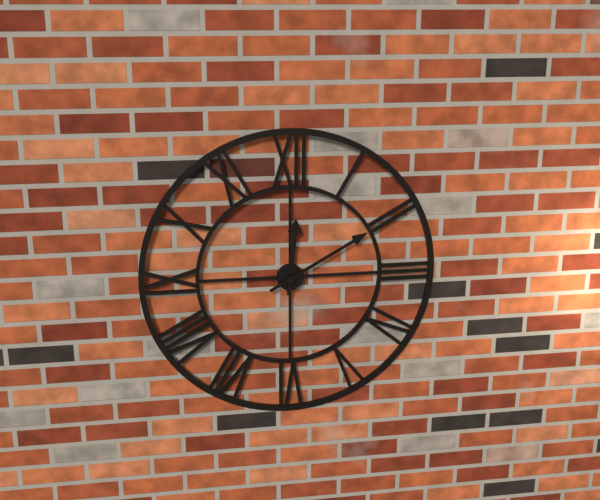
{"hour": 12, "minute": 10}
